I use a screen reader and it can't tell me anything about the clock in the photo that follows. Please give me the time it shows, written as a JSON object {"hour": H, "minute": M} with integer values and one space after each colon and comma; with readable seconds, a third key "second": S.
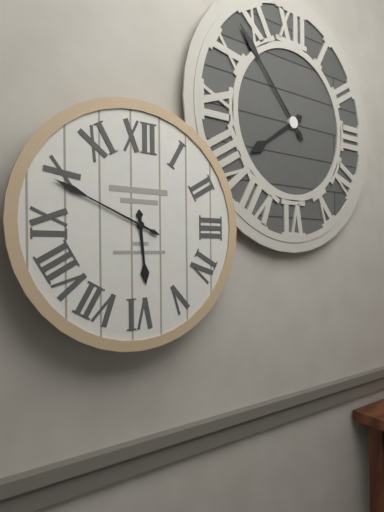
{"hour": 5, "minute": 49}
